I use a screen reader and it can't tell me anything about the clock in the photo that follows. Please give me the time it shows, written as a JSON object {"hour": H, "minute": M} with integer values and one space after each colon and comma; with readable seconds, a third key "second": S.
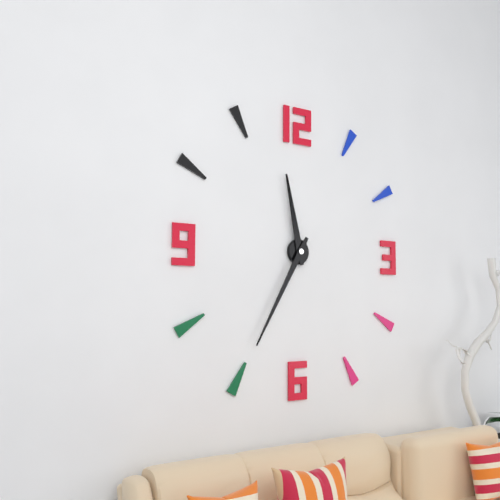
{"hour": 11, "minute": 35}
